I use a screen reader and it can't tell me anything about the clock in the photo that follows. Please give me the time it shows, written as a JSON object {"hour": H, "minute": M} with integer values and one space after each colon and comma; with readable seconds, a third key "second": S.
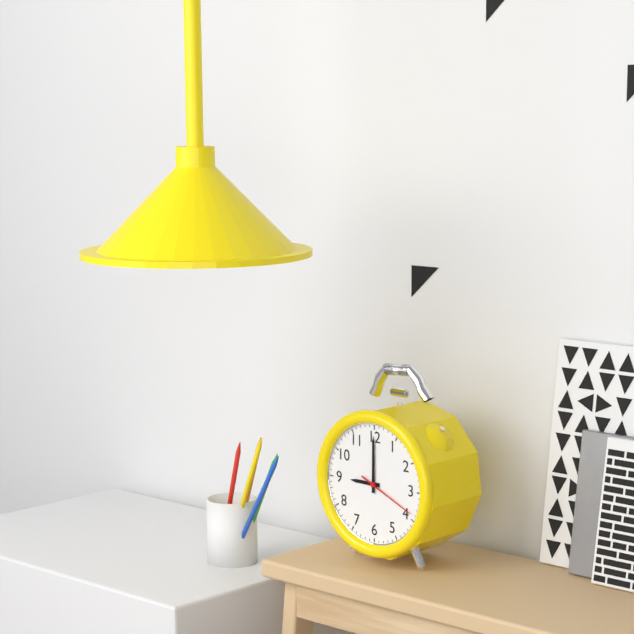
{"hour": 9, "minute": 0, "second": 19}
